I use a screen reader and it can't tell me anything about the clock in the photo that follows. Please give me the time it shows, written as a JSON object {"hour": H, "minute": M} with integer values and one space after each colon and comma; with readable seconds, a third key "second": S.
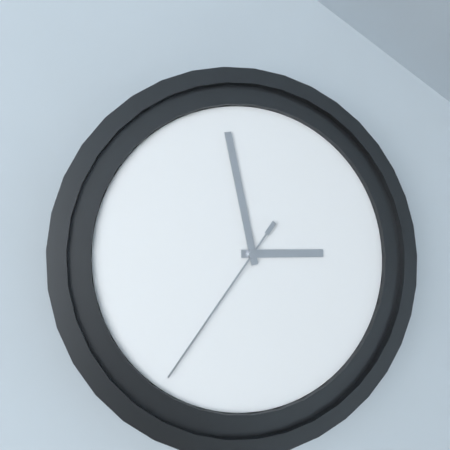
{"hour": 2, "minute": 58, "second": 36}
